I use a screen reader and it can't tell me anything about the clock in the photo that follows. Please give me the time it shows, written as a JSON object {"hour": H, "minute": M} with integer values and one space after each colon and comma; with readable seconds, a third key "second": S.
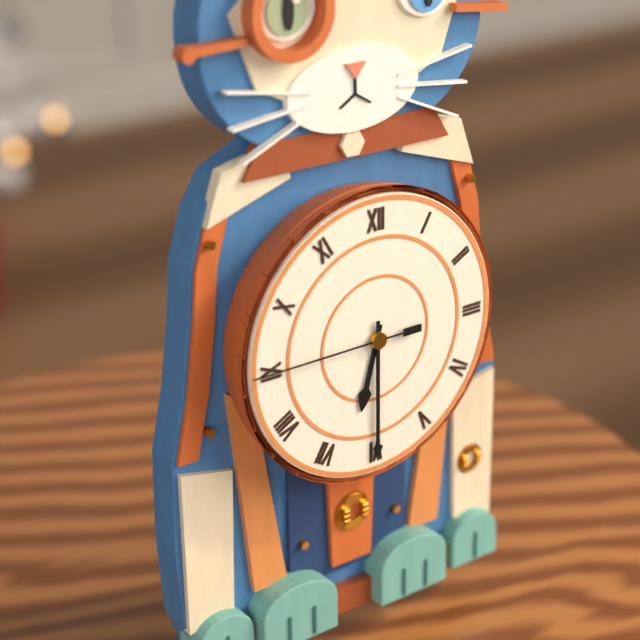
{"hour": 6, "minute": 30, "second": 45}
